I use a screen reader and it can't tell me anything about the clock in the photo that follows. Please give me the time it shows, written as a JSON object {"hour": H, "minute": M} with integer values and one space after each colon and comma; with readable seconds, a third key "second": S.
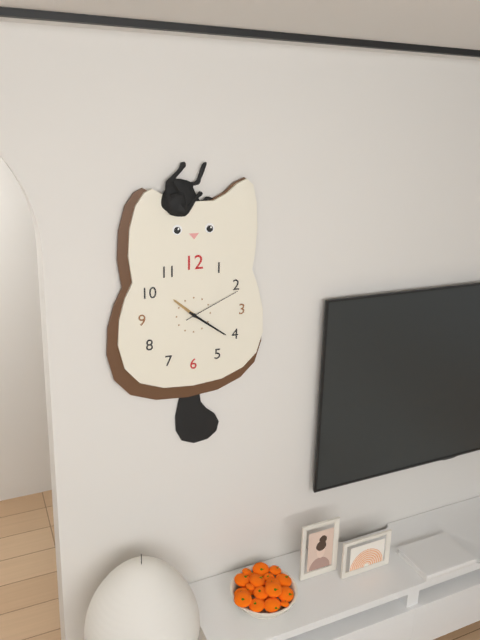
{"hour": 10, "minute": 21, "second": 11}
